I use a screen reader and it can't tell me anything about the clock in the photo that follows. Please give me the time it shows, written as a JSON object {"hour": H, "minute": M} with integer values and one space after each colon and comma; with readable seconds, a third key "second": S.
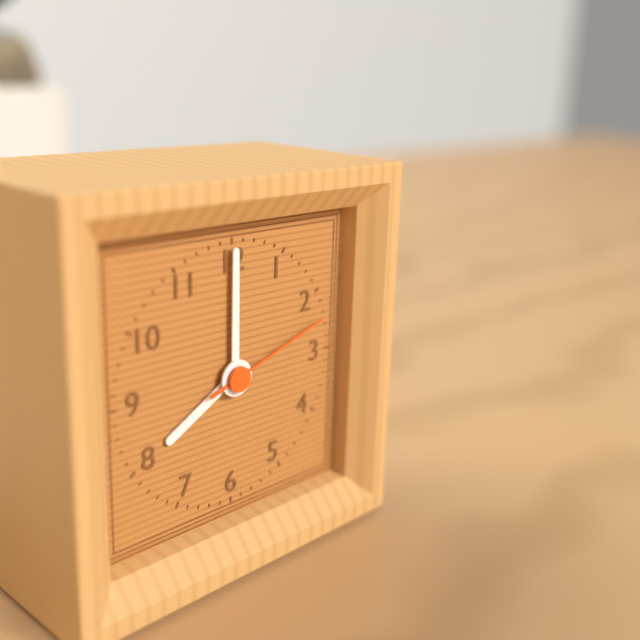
{"hour": 8, "minute": 0, "second": 12}
